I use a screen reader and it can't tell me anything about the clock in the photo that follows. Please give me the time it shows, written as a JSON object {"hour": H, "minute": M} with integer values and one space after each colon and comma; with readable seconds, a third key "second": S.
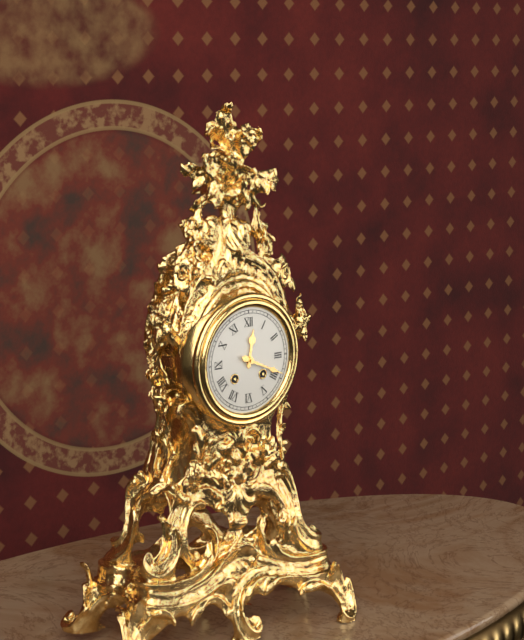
{"hour": 12, "minute": 19}
